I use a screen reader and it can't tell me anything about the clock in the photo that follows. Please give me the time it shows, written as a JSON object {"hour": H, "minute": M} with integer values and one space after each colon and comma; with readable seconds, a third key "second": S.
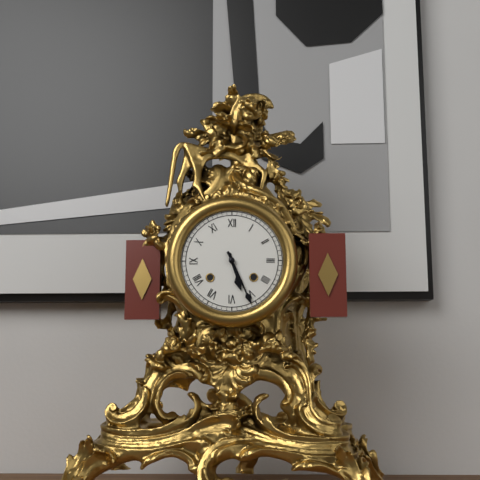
{"hour": 5, "minute": 26}
